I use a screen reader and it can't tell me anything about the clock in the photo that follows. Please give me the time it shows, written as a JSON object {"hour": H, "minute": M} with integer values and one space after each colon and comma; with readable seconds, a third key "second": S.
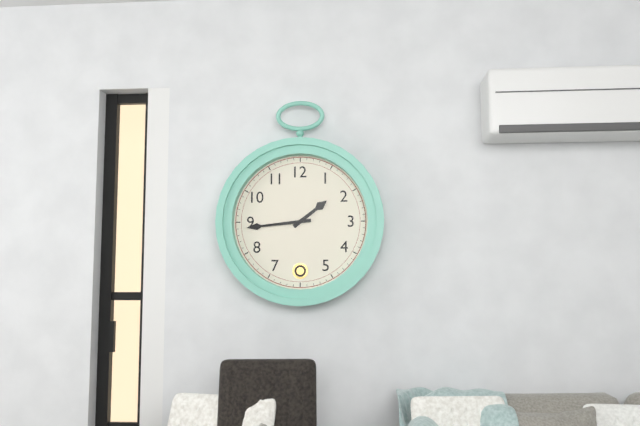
{"hour": 1, "minute": 44}
